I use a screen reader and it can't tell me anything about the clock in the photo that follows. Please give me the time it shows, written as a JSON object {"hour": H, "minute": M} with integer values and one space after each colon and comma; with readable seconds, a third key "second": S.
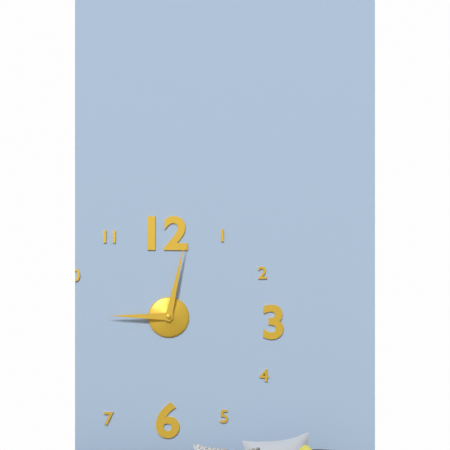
{"hour": 9, "minute": 2}
